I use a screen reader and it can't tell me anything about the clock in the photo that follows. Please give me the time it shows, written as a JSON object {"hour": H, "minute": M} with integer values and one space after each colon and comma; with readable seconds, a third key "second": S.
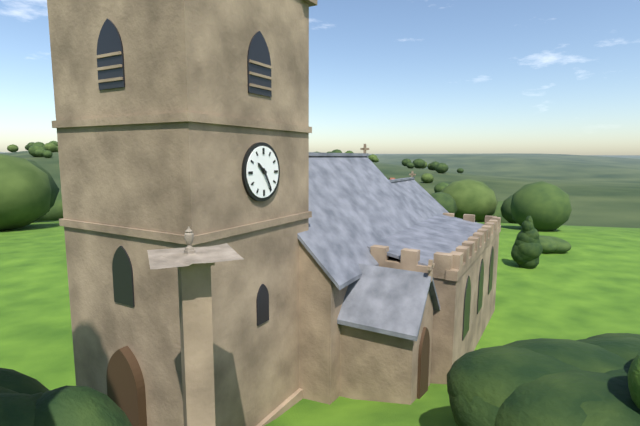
{"hour": 10, "minute": 25}
